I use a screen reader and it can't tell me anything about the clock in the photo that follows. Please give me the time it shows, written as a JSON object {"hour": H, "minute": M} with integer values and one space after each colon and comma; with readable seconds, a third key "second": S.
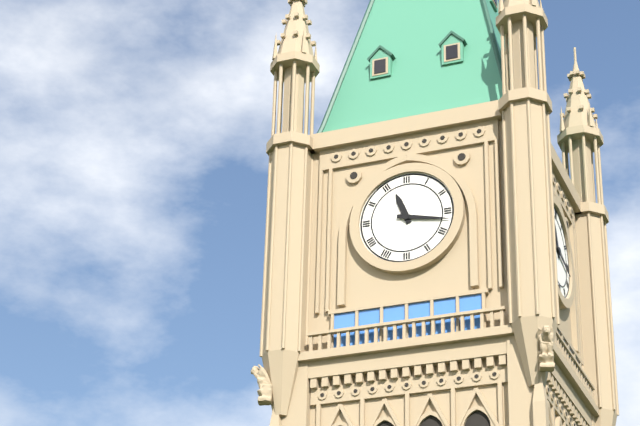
{"hour": 11, "minute": 17}
